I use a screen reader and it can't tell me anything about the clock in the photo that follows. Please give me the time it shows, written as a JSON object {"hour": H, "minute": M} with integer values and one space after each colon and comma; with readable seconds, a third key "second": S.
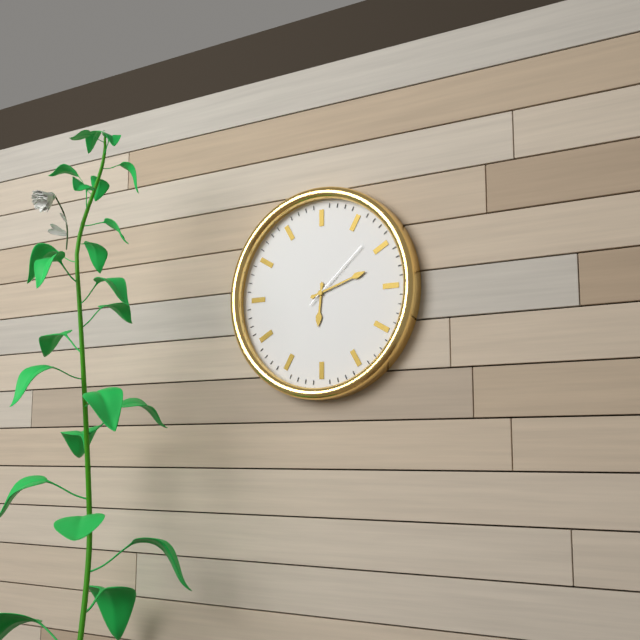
{"hour": 6, "minute": 12, "second": 8}
